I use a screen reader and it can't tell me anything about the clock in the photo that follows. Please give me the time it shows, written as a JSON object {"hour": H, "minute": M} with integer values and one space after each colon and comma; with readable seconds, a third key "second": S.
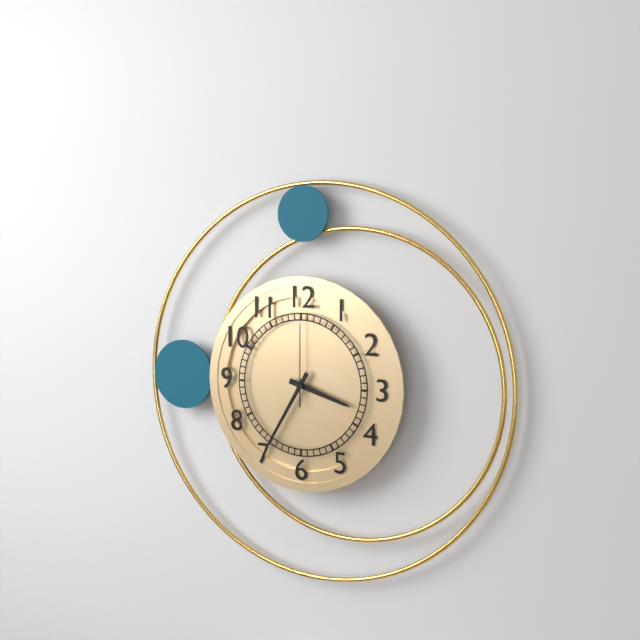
{"hour": 3, "minute": 35, "second": 0}
